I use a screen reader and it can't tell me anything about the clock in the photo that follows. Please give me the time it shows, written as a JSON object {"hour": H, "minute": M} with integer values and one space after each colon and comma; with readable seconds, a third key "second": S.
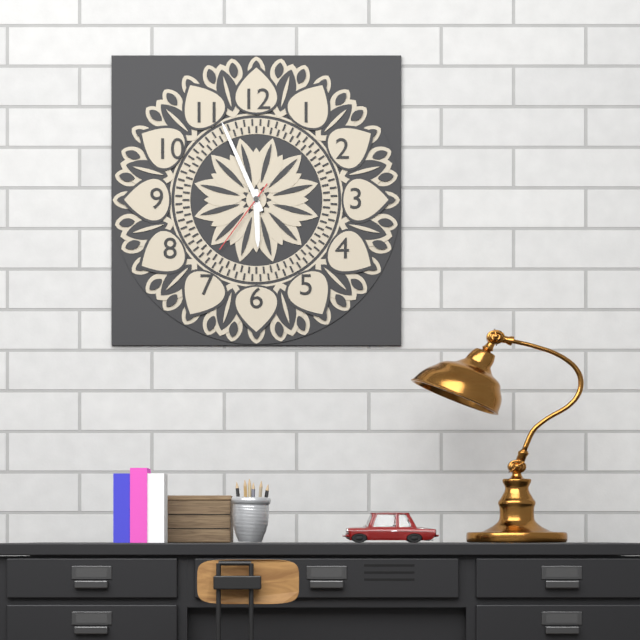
{"hour": 5, "minute": 56, "second": 36}
